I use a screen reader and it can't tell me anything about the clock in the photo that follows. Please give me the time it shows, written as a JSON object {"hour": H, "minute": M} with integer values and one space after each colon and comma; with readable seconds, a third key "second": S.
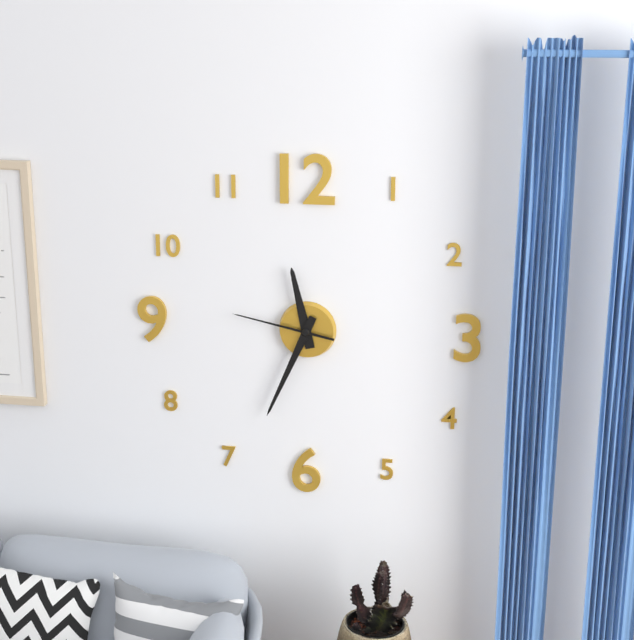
{"hour": 11, "minute": 34, "second": 47}
